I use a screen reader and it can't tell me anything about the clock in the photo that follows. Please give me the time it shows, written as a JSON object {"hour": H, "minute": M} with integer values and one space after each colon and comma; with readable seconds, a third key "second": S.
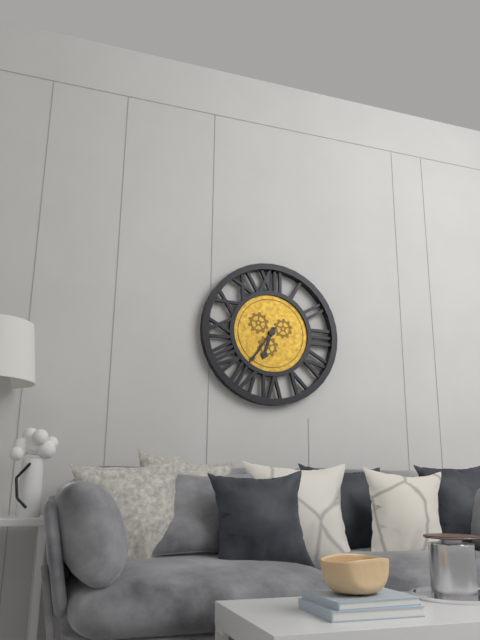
{"hour": 6, "minute": 36}
